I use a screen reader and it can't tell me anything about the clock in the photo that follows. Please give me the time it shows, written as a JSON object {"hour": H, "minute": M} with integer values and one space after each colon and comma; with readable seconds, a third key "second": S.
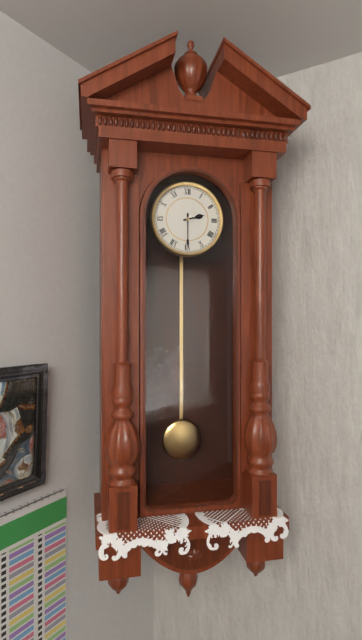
{"hour": 2, "minute": 30}
